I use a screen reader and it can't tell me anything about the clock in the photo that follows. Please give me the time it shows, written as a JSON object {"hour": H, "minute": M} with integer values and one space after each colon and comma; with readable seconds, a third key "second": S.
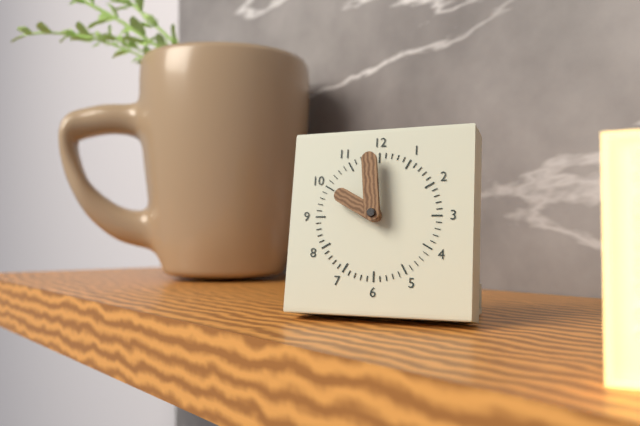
{"hour": 9, "minute": 59}
